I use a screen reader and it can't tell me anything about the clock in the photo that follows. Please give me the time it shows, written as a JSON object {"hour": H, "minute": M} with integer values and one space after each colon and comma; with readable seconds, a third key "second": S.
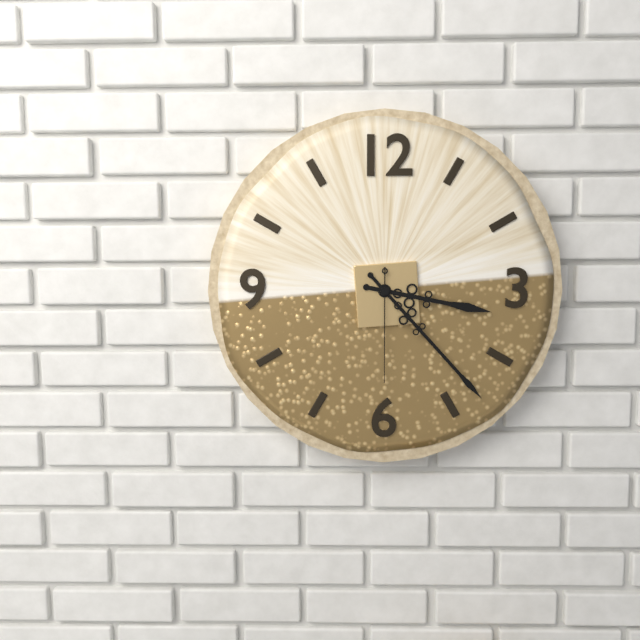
{"hour": 3, "minute": 23, "second": 30}
